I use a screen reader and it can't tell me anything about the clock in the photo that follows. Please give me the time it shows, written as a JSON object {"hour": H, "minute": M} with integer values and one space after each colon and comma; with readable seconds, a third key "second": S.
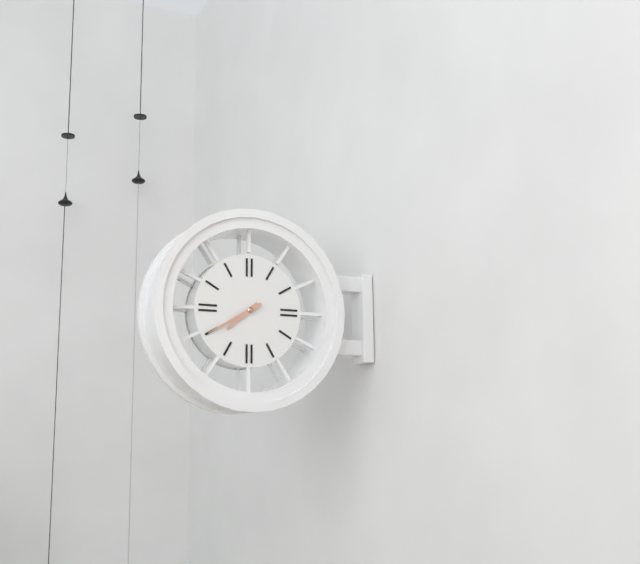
{"hour": 7, "minute": 40}
